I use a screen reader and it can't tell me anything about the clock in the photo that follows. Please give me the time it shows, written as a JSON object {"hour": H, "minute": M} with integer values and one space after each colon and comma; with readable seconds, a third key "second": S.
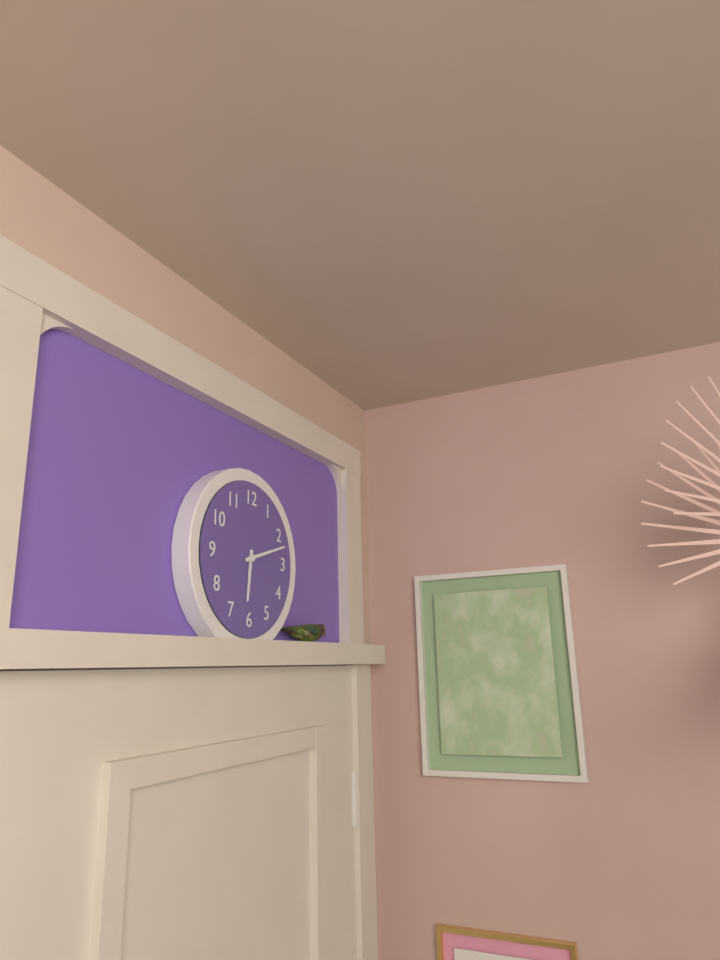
{"hour": 6, "minute": 12}
